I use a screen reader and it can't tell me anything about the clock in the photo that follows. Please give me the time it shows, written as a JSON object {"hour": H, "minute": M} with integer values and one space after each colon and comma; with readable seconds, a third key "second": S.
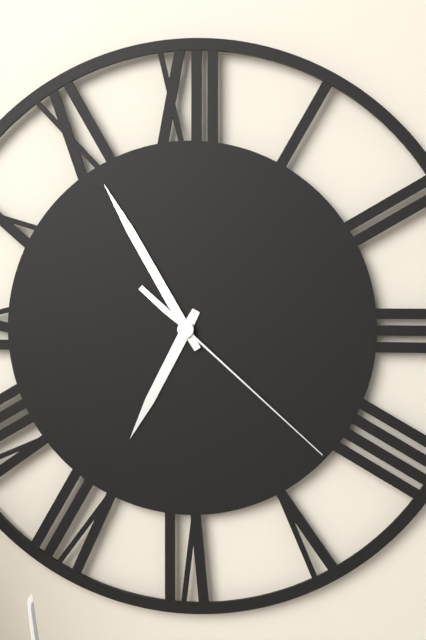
{"hour": 6, "minute": 55, "second": 22}
